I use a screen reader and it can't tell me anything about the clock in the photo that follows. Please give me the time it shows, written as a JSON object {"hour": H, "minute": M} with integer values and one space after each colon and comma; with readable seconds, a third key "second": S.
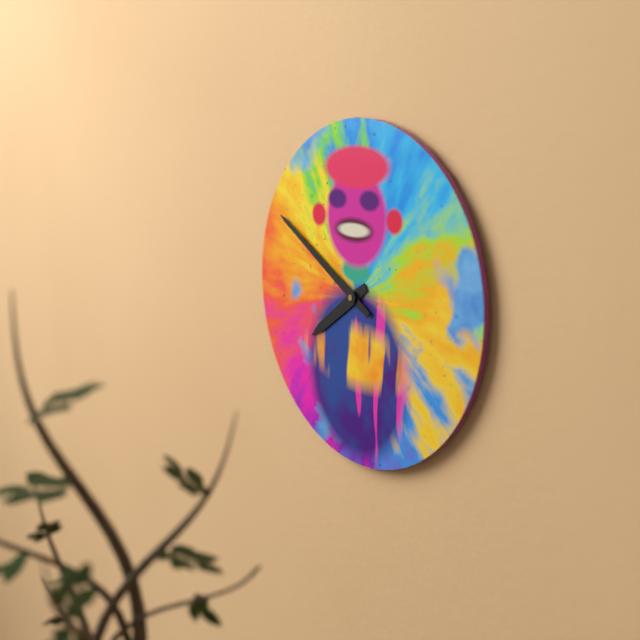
{"hour": 7, "minute": 50}
